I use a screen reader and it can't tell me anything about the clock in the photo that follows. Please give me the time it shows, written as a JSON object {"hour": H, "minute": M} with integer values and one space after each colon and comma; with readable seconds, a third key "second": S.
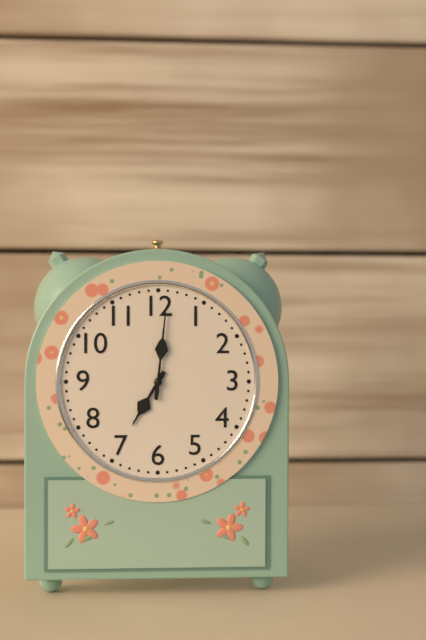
{"hour": 7, "minute": 1}
